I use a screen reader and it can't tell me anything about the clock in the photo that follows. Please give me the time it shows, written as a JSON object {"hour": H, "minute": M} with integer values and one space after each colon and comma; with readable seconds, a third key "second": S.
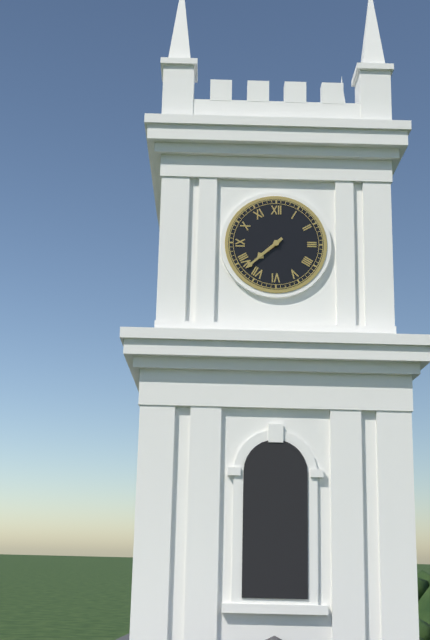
{"hour": 7, "minute": 38}
